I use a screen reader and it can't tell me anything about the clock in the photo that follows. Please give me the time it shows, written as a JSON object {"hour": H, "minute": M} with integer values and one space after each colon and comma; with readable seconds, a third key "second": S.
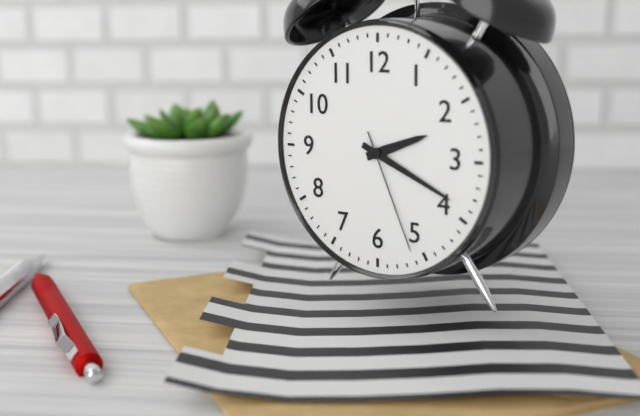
{"hour": 2, "minute": 19, "second": 26}
